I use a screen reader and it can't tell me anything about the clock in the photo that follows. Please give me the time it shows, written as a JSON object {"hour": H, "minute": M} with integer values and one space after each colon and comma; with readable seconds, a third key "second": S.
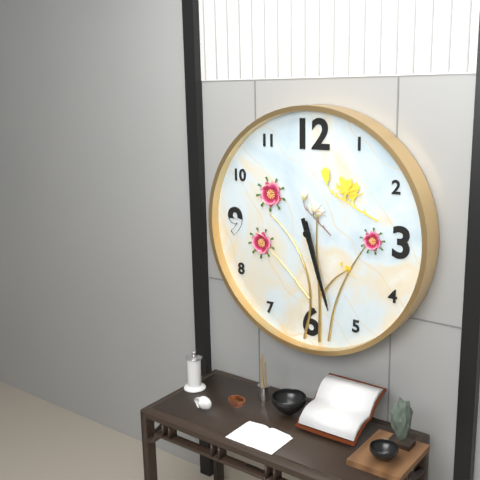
{"hour": 5, "minute": 27}
